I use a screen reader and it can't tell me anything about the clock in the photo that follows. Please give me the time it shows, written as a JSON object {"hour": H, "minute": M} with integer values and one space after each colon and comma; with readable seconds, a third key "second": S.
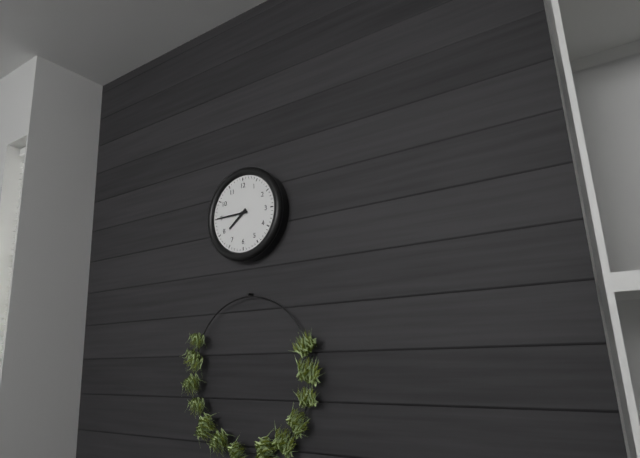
{"hour": 7, "minute": 45}
